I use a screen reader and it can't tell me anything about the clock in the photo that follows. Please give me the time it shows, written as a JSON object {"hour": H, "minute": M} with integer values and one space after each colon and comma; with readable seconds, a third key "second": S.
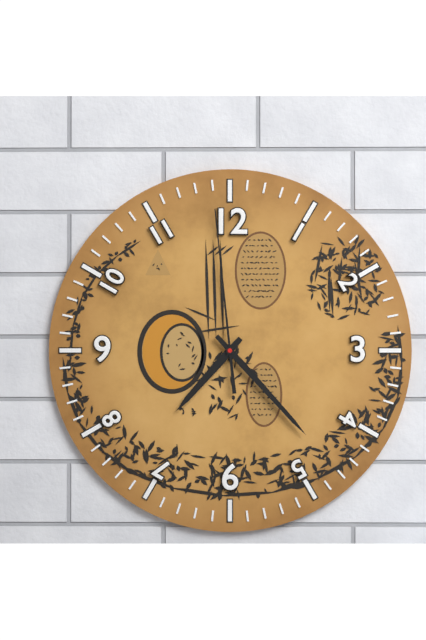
{"hour": 7, "minute": 23, "second": 59}
